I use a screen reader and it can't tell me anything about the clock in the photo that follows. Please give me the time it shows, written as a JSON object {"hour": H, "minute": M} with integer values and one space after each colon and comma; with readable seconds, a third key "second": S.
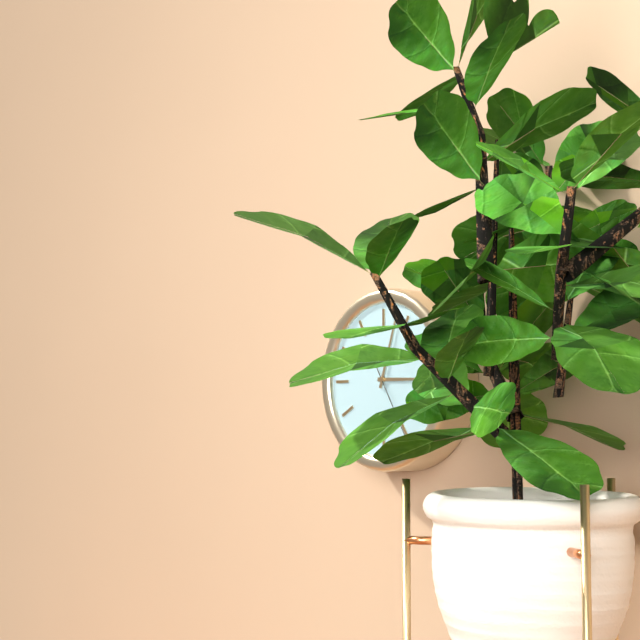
{"hour": 3, "minute": 3}
